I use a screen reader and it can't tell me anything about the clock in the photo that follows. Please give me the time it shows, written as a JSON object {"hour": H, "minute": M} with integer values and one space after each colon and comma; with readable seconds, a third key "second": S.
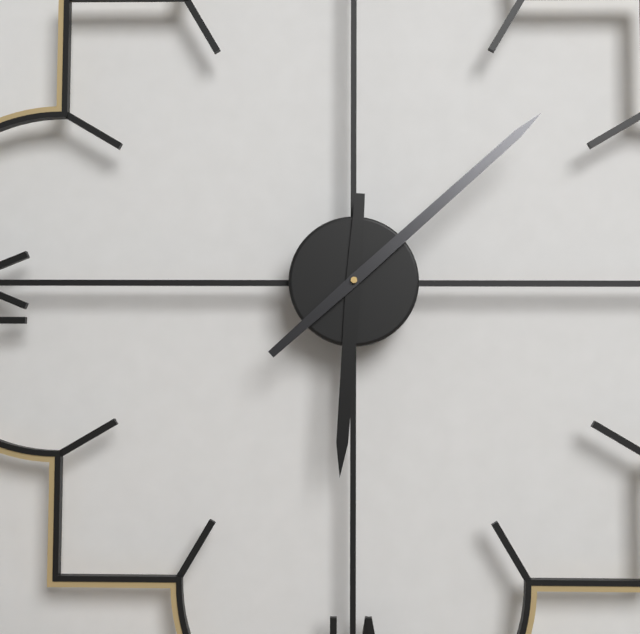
{"hour": 6, "minute": 8}
